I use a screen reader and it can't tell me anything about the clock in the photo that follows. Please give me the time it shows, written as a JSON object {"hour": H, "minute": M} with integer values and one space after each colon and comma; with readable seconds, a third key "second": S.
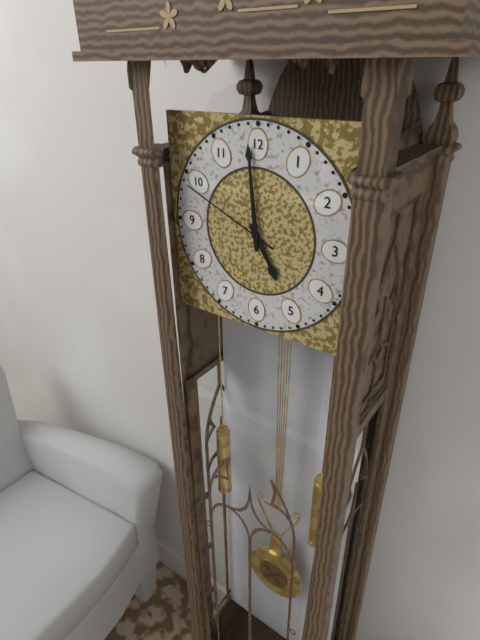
{"hour": 4, "minute": 59, "second": 49}
